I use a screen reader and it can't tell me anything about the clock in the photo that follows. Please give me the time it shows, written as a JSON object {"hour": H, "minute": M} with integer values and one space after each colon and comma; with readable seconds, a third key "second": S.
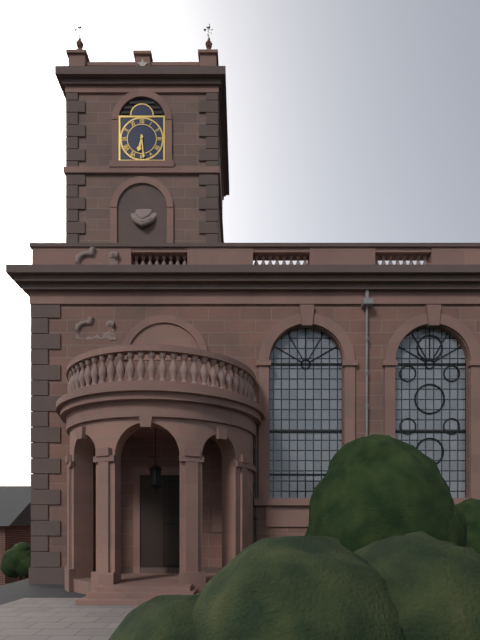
{"hour": 6, "minute": 29}
